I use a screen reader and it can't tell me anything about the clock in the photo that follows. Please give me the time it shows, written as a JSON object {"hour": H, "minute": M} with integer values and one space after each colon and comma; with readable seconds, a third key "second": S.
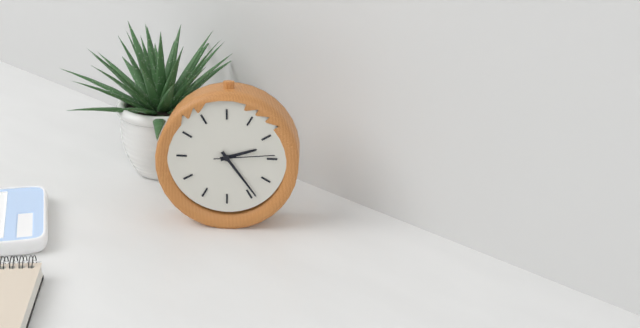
{"hour": 2, "minute": 24, "second": 14}
